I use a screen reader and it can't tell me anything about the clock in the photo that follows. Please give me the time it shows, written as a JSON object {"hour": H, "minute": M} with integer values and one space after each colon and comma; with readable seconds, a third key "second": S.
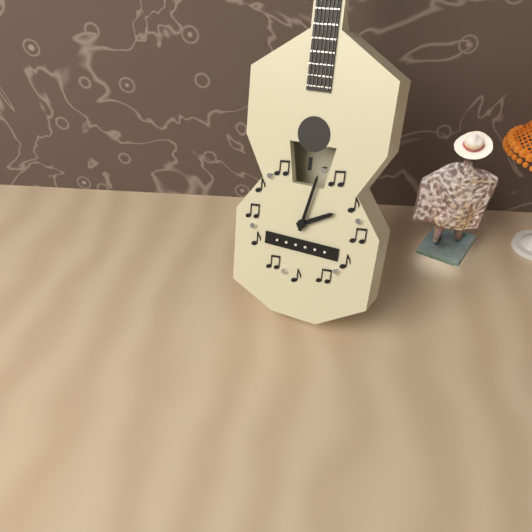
{"hour": 2, "minute": 2}
